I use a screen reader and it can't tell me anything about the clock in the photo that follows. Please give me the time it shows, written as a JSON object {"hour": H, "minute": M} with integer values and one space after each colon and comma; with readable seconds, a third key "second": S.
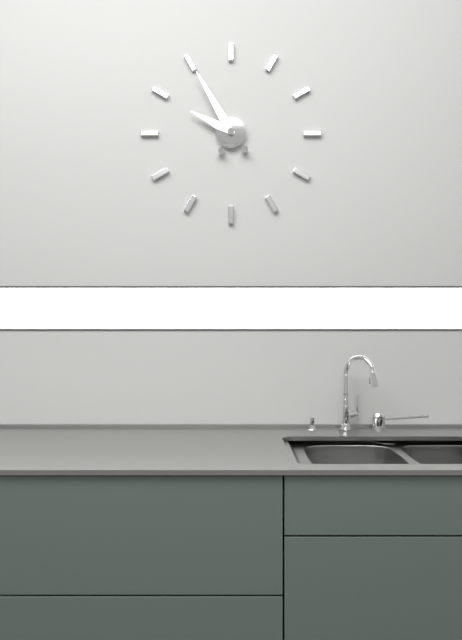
{"hour": 9, "minute": 55}
